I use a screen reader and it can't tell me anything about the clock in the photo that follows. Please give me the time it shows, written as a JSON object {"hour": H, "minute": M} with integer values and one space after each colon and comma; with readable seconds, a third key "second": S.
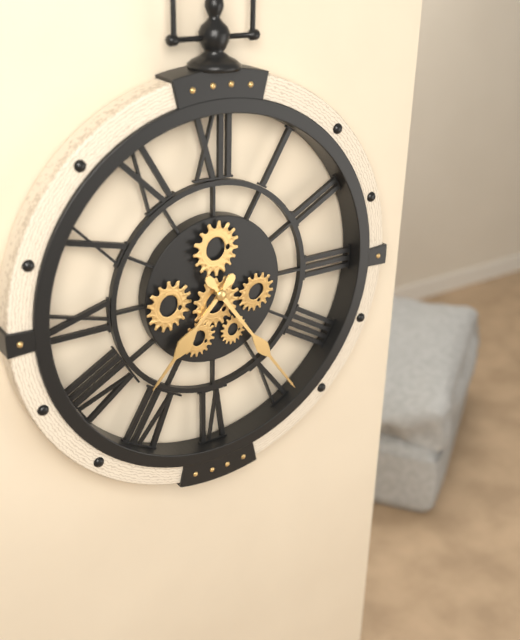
{"hour": 7, "minute": 24}
